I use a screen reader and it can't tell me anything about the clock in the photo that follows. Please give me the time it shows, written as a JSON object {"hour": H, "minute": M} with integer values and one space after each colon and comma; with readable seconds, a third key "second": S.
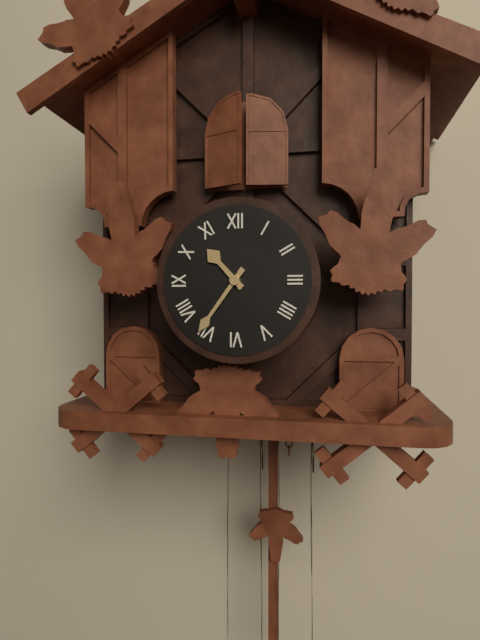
{"hour": 10, "minute": 36}
